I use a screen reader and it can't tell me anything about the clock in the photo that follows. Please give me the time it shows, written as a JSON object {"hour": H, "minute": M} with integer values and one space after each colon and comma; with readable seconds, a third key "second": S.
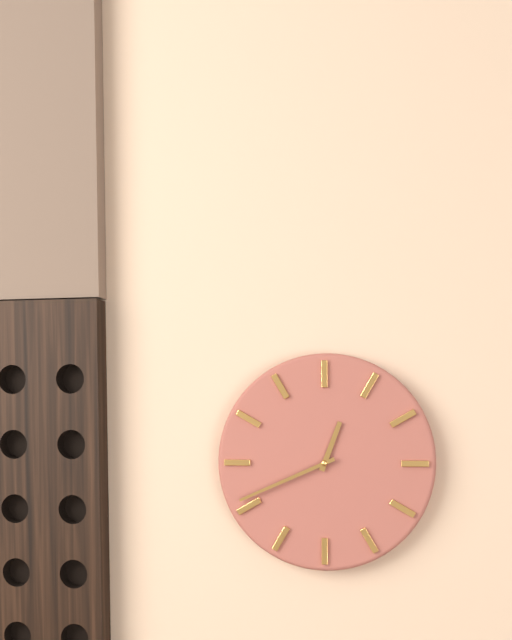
{"hour": 12, "minute": 41}
